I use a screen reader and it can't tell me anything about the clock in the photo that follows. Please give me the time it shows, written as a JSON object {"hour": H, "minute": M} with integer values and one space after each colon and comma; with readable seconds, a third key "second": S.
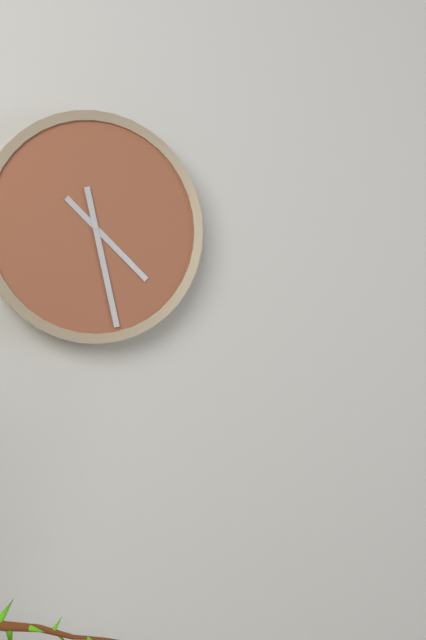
{"hour": 4, "minute": 28}
